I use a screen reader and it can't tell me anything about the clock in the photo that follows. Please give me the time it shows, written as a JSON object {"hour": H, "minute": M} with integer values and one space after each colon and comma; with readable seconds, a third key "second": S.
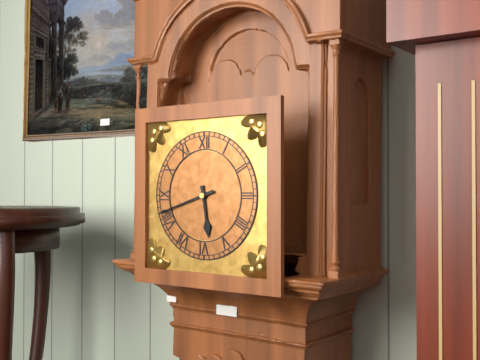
{"hour": 5, "minute": 42}
